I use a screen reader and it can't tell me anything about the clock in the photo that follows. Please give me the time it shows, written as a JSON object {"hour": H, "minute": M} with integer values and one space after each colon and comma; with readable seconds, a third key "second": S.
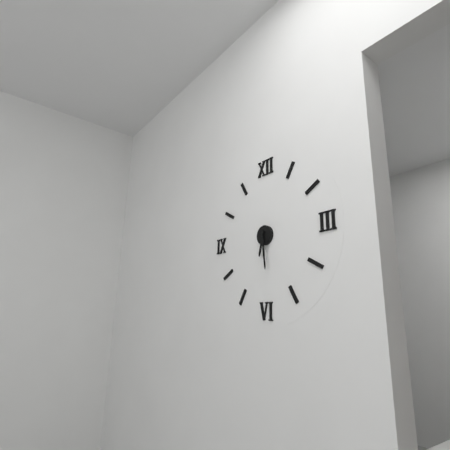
{"hour": 6, "minute": 29}
